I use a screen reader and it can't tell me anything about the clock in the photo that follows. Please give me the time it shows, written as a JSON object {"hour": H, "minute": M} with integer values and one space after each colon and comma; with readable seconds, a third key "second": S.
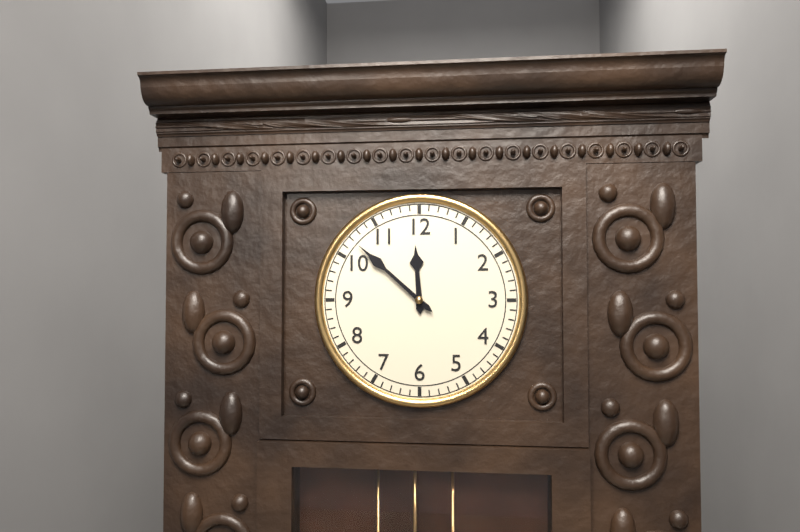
{"hour": 11, "minute": 52}
